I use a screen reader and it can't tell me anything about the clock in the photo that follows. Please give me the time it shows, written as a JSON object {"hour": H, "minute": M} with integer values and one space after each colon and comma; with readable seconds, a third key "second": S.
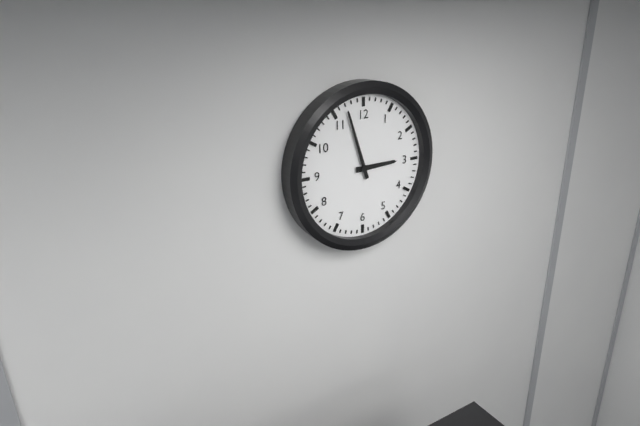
{"hour": 2, "minute": 57}
